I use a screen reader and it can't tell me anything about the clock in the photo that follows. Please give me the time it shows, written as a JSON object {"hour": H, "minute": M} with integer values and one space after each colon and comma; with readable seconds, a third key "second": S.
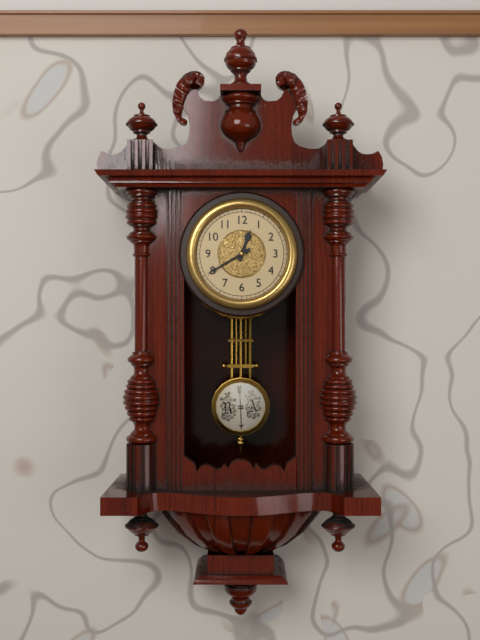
{"hour": 12, "minute": 40}
